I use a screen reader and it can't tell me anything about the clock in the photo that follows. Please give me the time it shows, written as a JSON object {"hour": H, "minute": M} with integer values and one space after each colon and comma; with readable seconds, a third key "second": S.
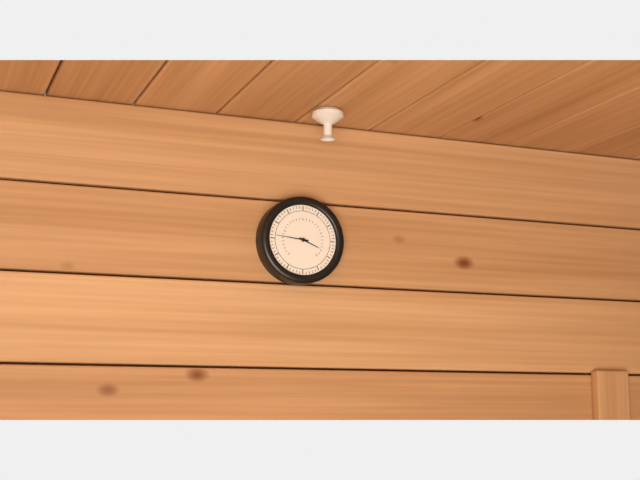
{"hour": 3, "minute": 46}
